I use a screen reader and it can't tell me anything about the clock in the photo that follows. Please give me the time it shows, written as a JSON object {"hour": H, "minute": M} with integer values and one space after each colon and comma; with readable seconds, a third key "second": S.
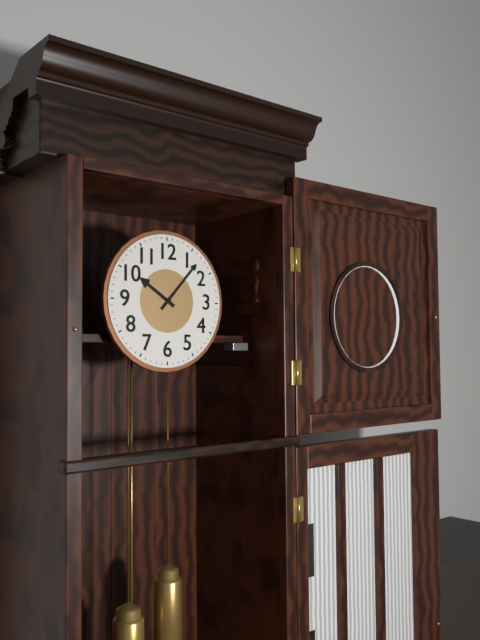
{"hour": 10, "minute": 7}
